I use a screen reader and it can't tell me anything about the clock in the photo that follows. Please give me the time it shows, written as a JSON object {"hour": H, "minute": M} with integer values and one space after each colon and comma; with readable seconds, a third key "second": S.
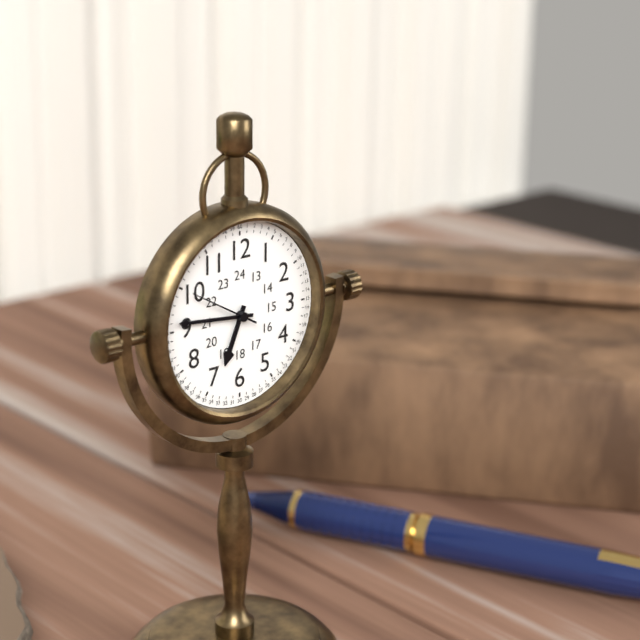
{"hour": 6, "minute": 46, "second": 50}
